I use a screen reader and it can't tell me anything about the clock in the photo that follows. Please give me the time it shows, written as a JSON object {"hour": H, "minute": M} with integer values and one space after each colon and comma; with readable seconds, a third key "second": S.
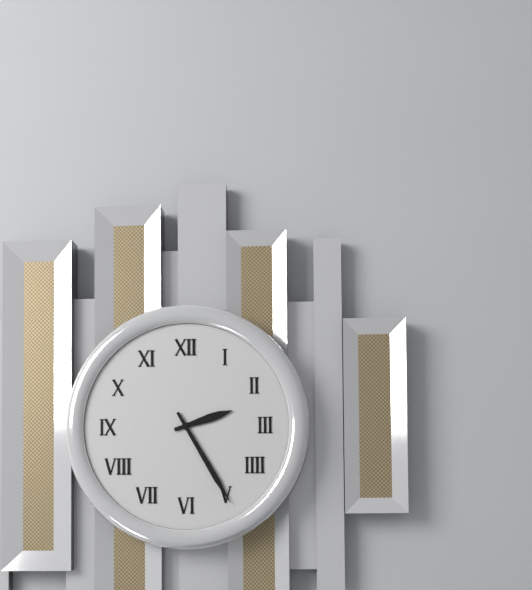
{"hour": 2, "minute": 25}
